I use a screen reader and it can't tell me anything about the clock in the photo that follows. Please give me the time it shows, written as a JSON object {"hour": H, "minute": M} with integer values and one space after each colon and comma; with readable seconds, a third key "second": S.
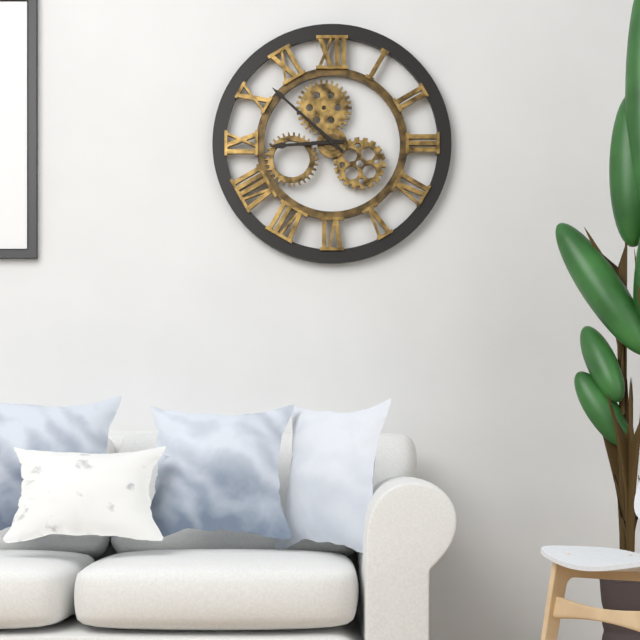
{"hour": 8, "minute": 52}
